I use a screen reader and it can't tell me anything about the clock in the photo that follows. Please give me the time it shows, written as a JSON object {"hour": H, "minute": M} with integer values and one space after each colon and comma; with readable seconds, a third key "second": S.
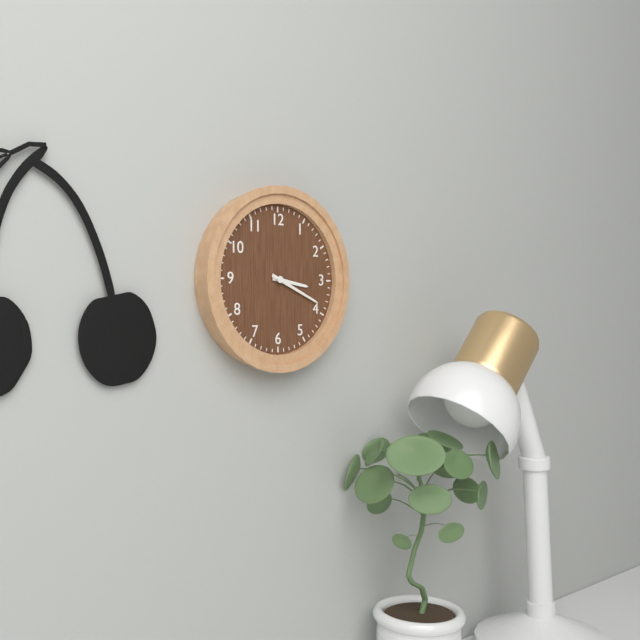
{"hour": 3, "minute": 19}
